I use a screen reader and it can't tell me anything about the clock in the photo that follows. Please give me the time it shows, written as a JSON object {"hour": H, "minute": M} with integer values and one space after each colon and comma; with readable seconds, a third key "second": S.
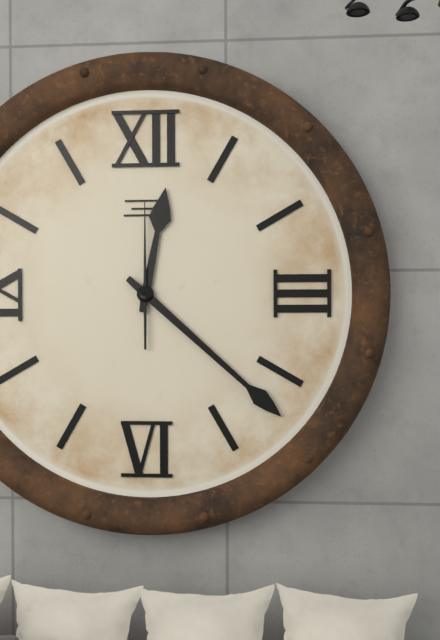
{"hour": 12, "minute": 22, "second": 0}
